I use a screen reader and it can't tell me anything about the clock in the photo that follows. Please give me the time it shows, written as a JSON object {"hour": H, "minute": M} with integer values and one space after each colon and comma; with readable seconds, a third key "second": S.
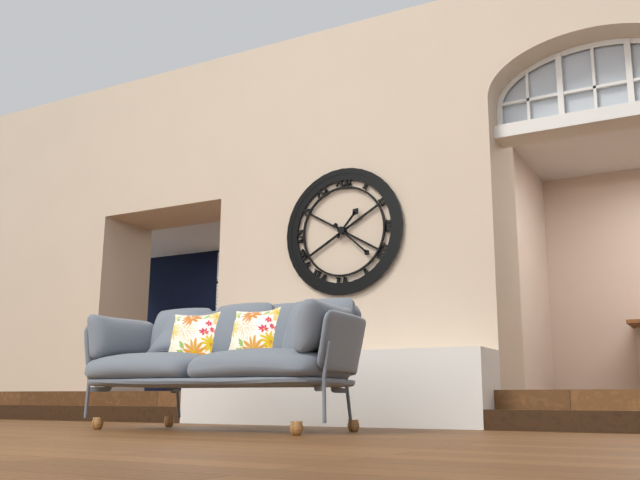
{"hour": 1, "minute": 22}
